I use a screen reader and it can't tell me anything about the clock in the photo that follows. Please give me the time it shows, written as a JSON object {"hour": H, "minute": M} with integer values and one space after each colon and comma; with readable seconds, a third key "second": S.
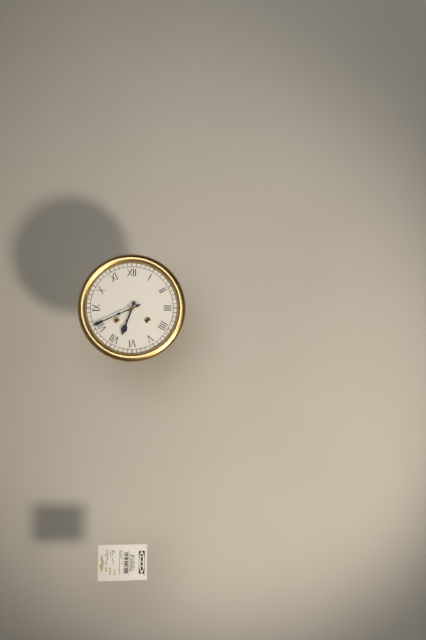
{"hour": 6, "minute": 41}
